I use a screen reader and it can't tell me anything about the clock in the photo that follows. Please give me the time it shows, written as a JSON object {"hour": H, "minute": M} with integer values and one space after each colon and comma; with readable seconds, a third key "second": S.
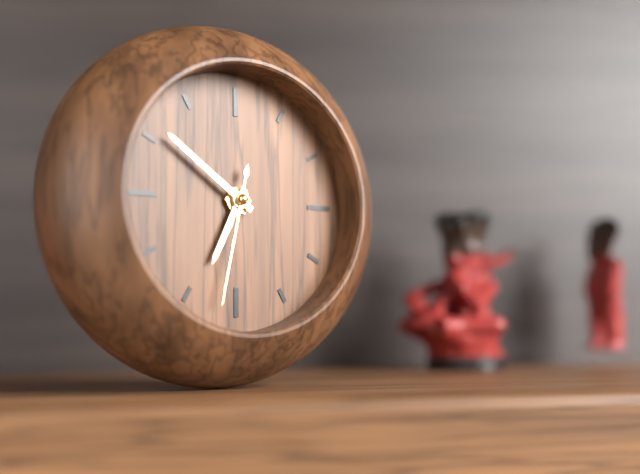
{"hour": 6, "minute": 51, "second": 32}
